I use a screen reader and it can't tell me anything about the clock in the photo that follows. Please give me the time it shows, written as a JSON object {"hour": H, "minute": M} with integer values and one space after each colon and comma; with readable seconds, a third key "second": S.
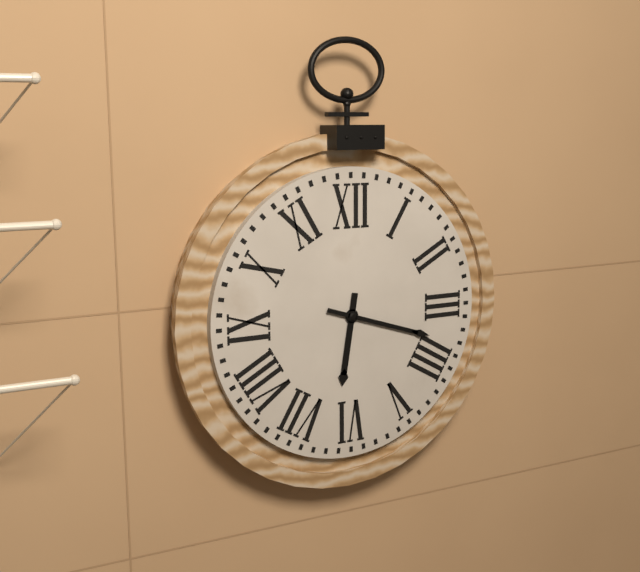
{"hour": 6, "minute": 18}
